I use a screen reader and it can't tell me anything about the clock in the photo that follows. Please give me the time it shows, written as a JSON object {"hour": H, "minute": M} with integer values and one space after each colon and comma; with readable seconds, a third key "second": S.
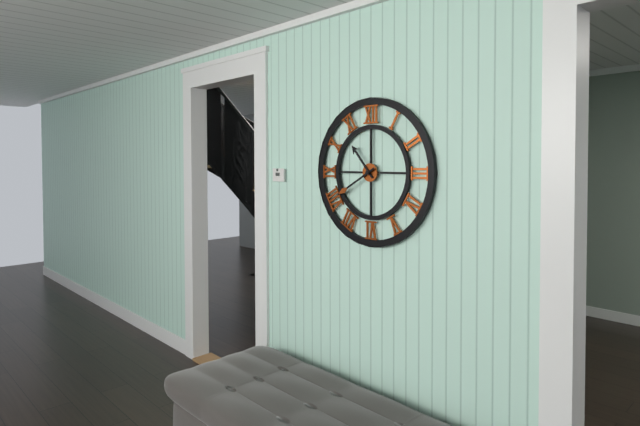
{"hour": 10, "minute": 40}
